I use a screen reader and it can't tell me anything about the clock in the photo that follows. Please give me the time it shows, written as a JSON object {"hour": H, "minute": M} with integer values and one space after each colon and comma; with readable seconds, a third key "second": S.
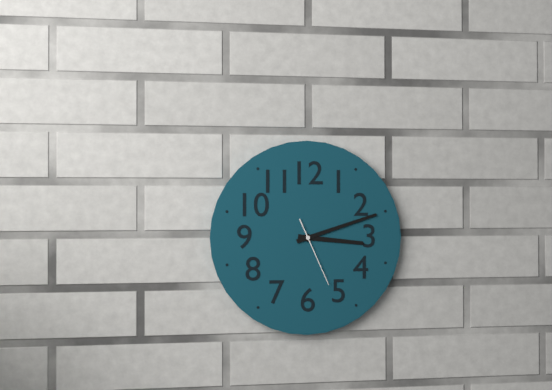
{"hour": 3, "minute": 12, "second": 26}
